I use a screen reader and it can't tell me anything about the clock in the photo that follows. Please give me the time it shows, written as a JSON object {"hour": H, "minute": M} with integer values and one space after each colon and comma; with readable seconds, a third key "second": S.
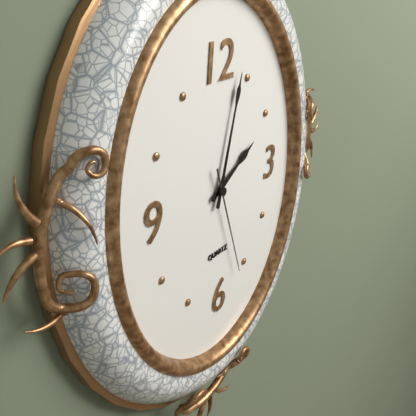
{"hour": 2, "minute": 3, "second": 27}
